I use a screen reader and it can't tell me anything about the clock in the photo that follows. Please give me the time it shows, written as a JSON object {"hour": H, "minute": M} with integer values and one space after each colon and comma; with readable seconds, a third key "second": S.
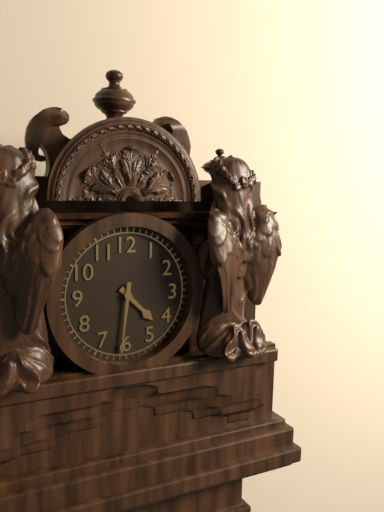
{"hour": 4, "minute": 31}
